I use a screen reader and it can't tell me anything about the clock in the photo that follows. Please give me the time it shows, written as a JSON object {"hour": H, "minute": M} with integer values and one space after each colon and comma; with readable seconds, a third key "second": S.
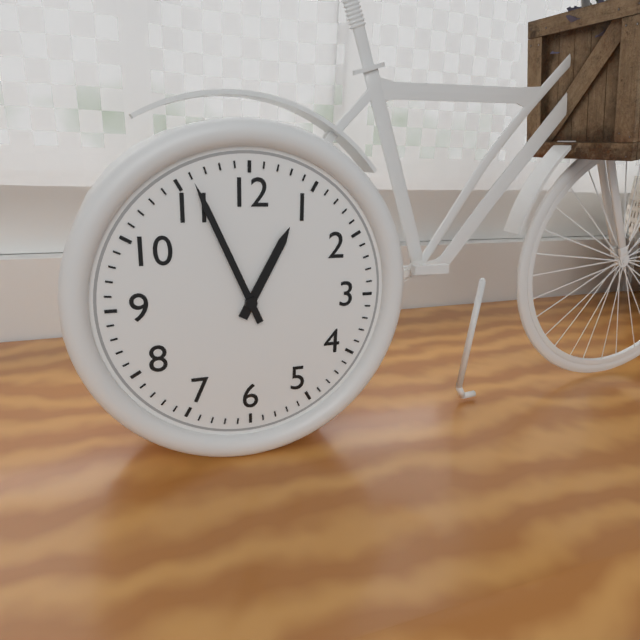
{"hour": 12, "minute": 56}
